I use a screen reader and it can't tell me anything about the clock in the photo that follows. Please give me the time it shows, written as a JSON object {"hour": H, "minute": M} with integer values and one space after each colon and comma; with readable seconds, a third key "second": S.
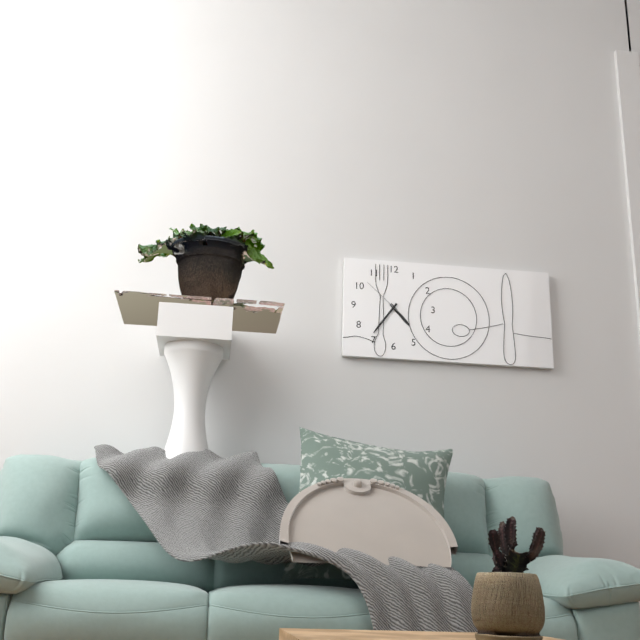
{"hour": 4, "minute": 36}
